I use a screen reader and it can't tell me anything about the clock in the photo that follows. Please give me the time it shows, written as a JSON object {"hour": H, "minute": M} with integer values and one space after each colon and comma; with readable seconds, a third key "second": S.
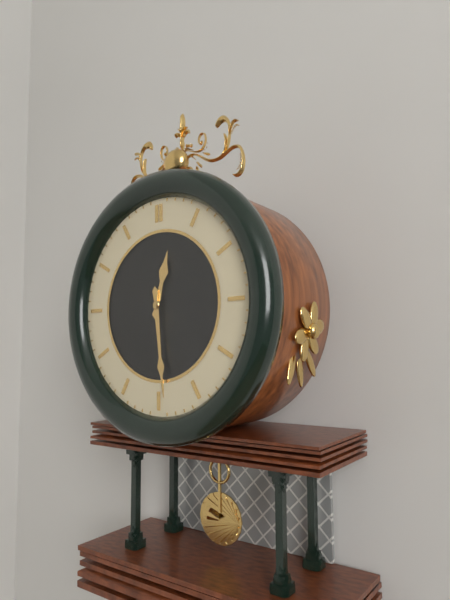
{"hour": 12, "minute": 29}
